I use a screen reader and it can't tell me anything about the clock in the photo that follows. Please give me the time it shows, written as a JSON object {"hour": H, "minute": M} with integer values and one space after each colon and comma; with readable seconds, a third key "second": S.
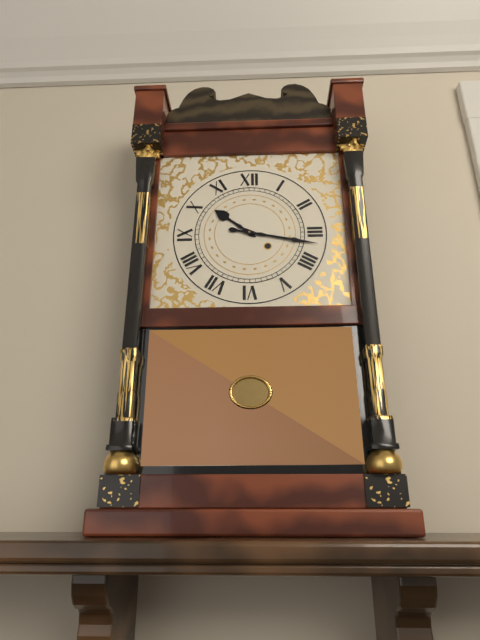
{"hour": 10, "minute": 17}
